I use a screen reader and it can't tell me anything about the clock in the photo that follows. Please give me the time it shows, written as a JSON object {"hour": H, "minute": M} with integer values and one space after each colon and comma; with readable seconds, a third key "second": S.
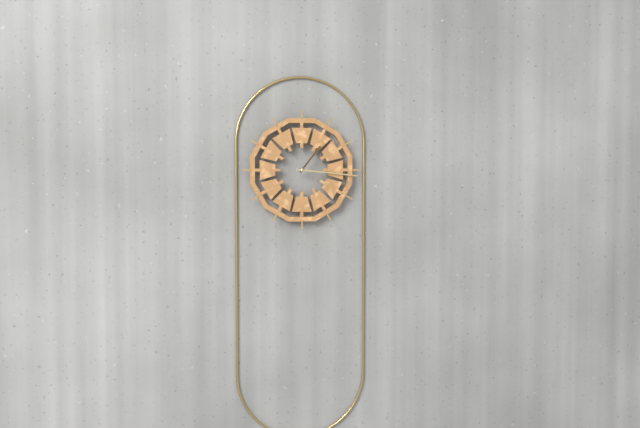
{"hour": 1, "minute": 16}
